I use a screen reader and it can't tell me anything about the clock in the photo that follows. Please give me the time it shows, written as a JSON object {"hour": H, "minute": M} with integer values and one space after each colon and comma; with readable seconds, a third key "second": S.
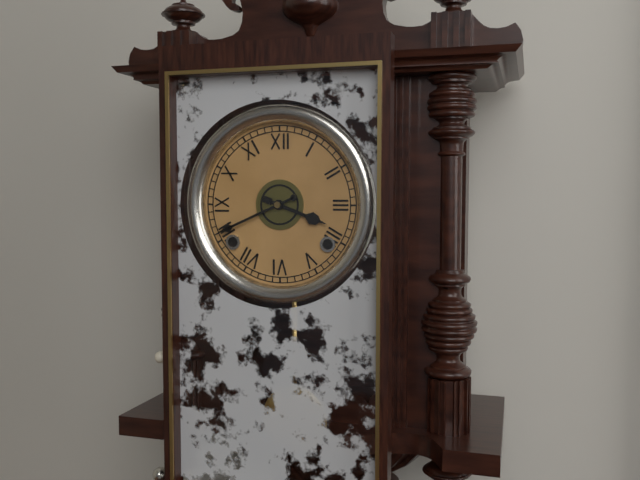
{"hour": 3, "minute": 41}
